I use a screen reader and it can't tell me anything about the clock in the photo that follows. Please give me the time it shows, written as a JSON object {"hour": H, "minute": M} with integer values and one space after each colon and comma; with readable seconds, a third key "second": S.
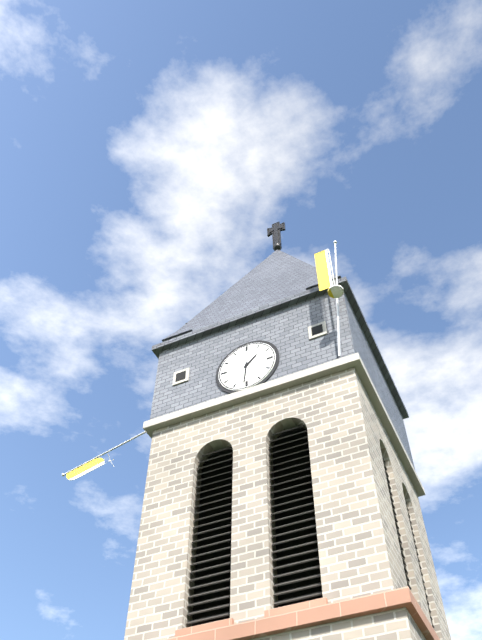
{"hour": 1, "minute": 31}
